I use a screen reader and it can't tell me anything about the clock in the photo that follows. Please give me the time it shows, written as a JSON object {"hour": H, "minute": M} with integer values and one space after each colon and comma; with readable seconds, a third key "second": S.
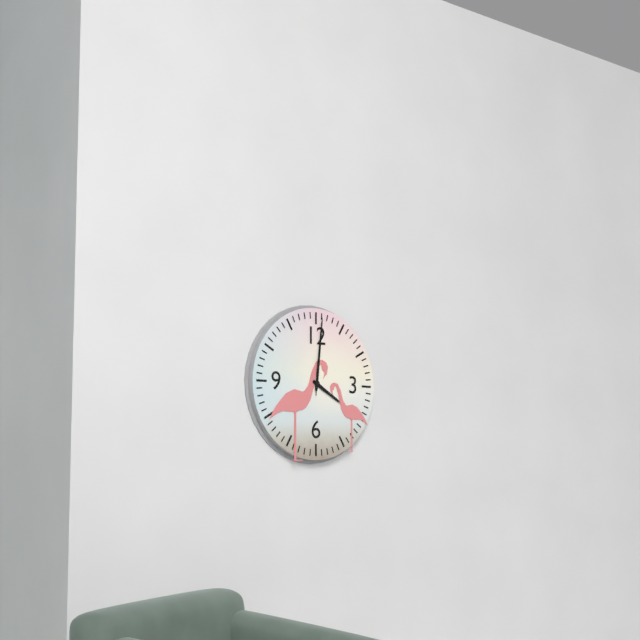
{"hour": 4, "minute": 1, "second": 1}
